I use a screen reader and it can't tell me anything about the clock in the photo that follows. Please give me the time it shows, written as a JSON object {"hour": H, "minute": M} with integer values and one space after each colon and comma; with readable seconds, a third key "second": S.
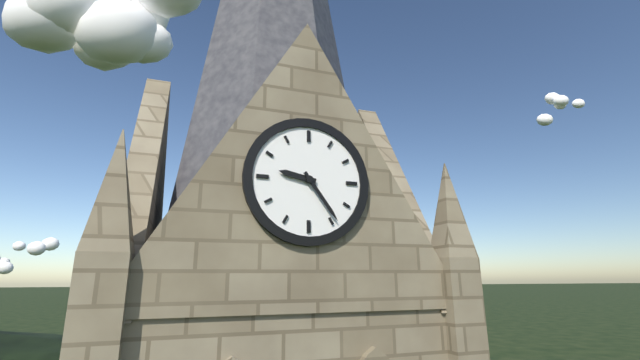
{"hour": 9, "minute": 24}
